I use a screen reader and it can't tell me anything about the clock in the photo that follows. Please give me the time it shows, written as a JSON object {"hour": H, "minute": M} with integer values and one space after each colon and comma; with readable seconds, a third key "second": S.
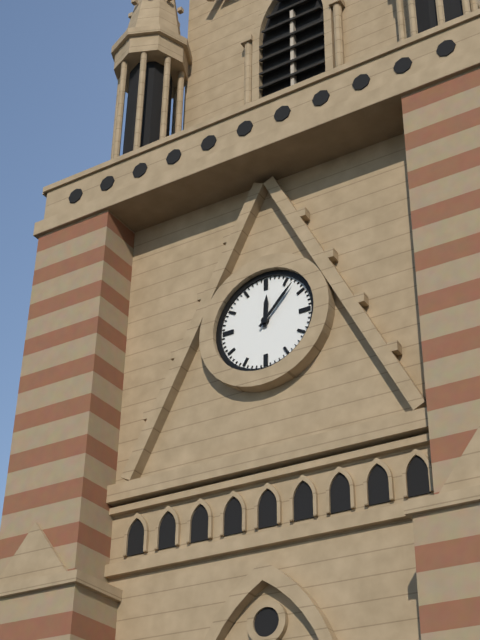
{"hour": 12, "minute": 7}
